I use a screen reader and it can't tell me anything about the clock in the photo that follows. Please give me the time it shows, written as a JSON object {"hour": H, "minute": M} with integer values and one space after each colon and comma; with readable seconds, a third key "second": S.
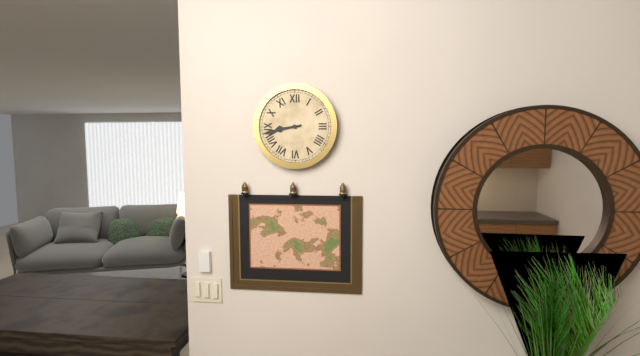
{"hour": 8, "minute": 43}
